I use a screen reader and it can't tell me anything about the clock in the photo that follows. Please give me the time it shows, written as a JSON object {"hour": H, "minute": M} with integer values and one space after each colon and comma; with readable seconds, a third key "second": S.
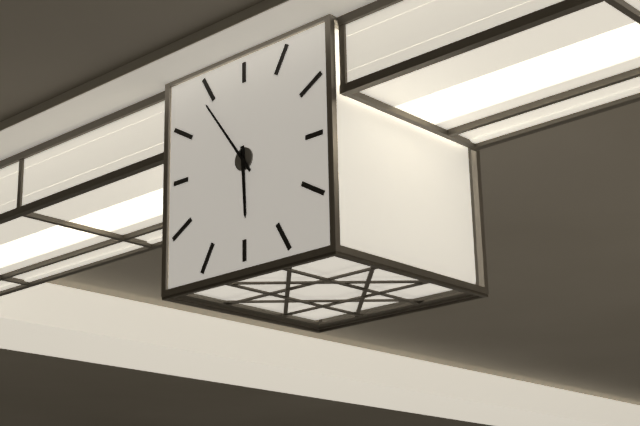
{"hour": 5, "minute": 54}
